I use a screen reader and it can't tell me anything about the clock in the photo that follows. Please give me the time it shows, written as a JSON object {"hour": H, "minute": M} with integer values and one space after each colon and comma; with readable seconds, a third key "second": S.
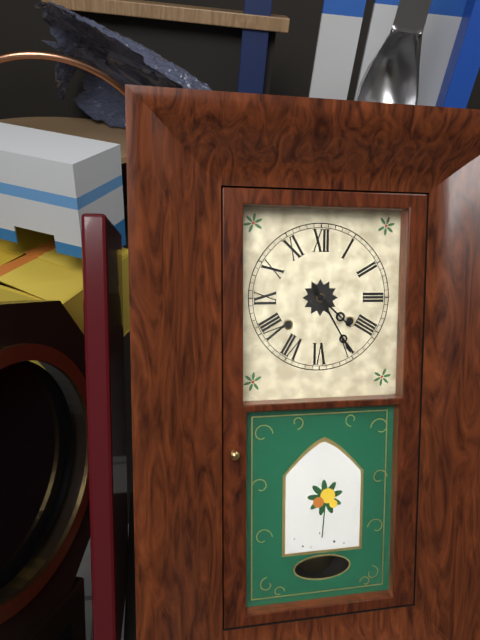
{"hour": 4, "minute": 25}
